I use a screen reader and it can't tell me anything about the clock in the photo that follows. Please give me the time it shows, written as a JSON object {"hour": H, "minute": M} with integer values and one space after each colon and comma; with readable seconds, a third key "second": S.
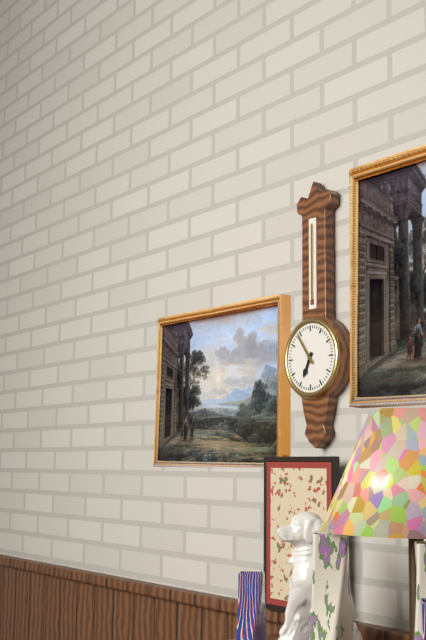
{"hour": 6, "minute": 54}
